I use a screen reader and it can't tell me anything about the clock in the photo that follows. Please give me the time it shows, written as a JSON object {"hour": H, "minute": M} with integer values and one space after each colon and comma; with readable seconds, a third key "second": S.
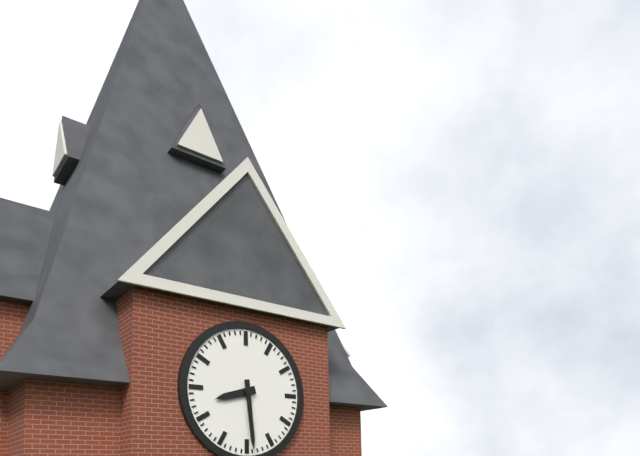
{"hour": 8, "minute": 29}
